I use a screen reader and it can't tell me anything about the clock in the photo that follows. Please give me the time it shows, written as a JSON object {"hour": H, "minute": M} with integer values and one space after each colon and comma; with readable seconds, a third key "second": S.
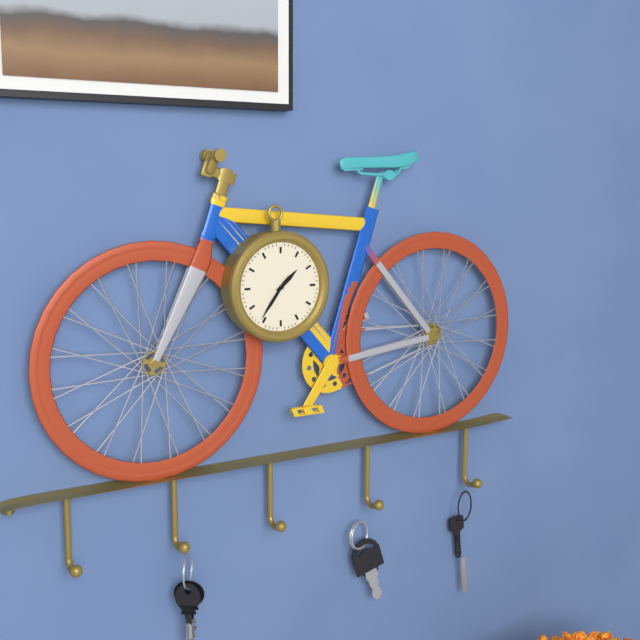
{"hour": 1, "minute": 36}
